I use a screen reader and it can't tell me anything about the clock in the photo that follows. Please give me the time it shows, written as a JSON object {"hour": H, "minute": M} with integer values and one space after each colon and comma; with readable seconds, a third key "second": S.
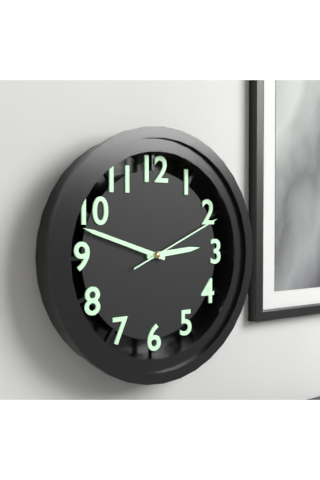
{"hour": 2, "minute": 48, "second": 11}
